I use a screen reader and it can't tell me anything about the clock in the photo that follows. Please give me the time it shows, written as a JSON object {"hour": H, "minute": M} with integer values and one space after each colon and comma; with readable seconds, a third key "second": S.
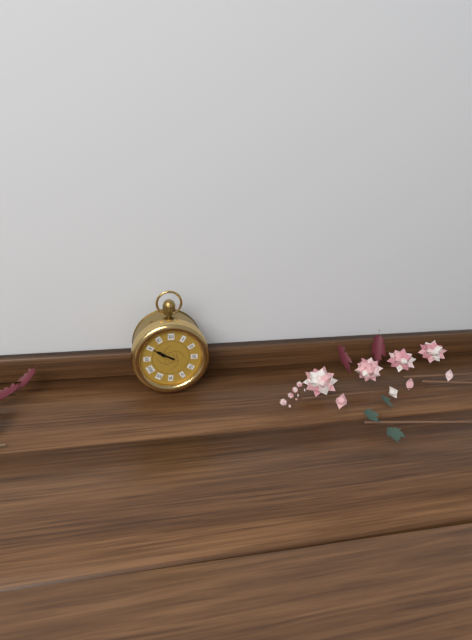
{"hour": 9, "minute": 50}
